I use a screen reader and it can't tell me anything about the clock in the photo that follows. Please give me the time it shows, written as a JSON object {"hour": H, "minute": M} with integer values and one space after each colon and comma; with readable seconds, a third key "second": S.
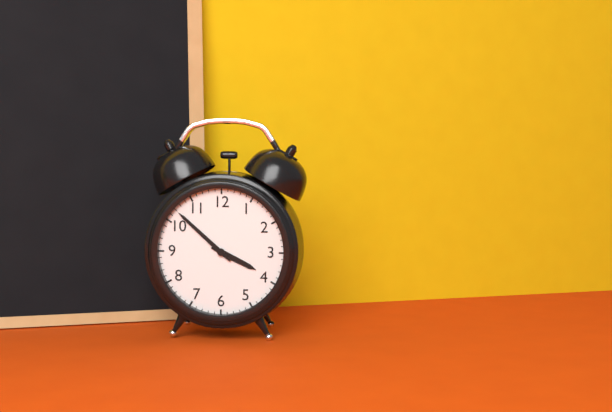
{"hour": 3, "minute": 52}
